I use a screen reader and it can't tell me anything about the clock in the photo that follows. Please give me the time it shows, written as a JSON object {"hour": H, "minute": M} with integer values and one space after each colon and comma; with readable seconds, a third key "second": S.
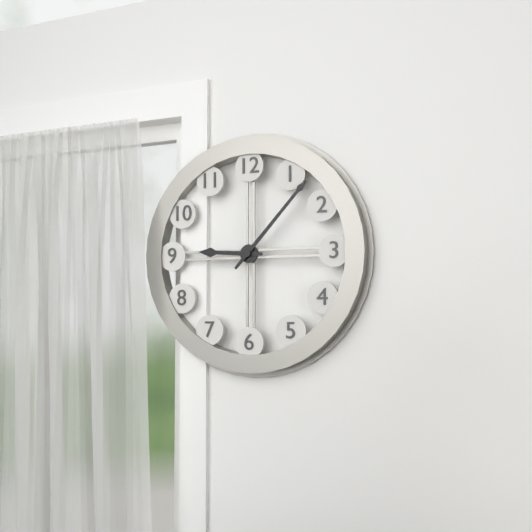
{"hour": 9, "minute": 7}
